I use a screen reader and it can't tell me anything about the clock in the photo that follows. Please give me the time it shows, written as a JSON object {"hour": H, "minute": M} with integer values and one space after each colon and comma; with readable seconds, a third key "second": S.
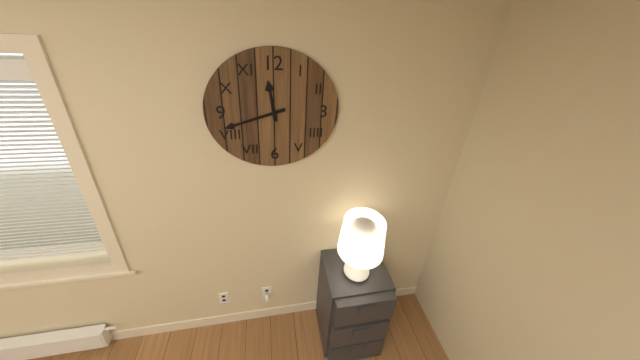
{"hour": 11, "minute": 42}
